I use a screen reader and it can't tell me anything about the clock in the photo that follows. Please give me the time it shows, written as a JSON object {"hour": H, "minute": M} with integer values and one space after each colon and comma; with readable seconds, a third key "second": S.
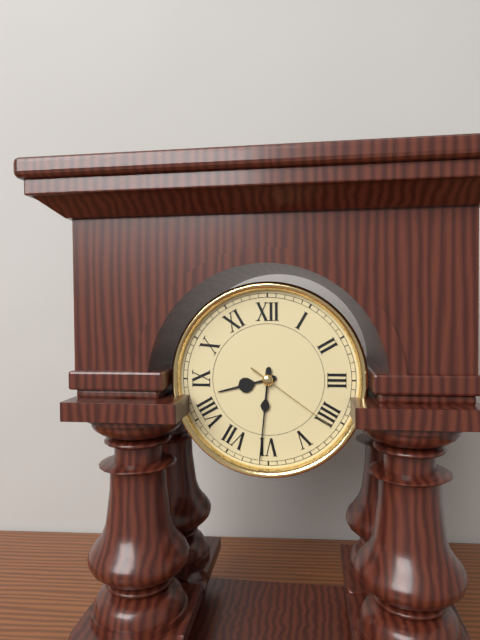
{"hour": 8, "minute": 31, "second": 21}
